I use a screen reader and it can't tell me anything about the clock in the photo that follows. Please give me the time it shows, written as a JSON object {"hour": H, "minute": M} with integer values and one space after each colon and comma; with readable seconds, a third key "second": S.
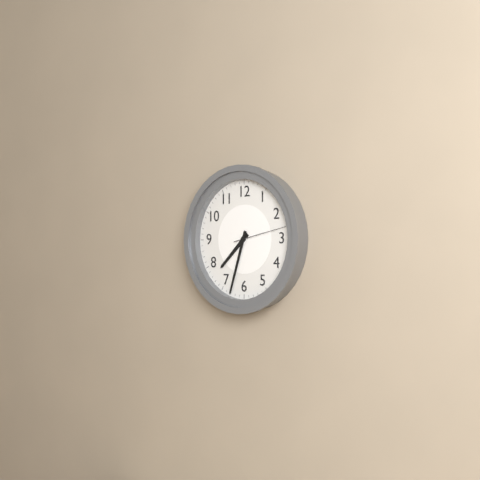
{"hour": 7, "minute": 33, "second": 13}
